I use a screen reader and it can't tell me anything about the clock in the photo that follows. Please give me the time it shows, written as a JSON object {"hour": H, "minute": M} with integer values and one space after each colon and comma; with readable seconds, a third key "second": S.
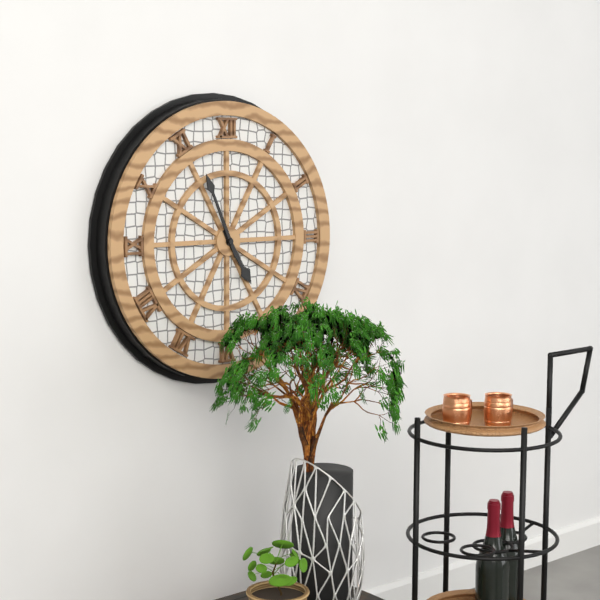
{"hour": 4, "minute": 56}
